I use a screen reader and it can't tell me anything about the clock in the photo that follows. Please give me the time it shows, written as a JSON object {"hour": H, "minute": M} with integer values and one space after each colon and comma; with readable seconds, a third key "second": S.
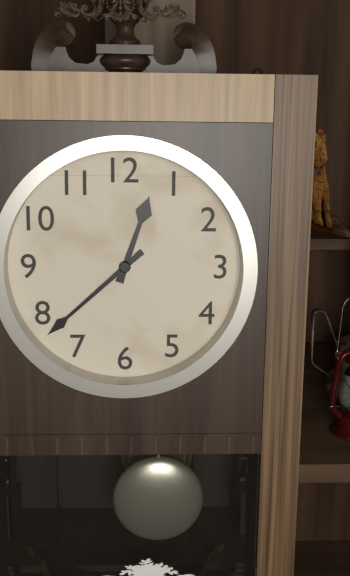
{"hour": 12, "minute": 38}
